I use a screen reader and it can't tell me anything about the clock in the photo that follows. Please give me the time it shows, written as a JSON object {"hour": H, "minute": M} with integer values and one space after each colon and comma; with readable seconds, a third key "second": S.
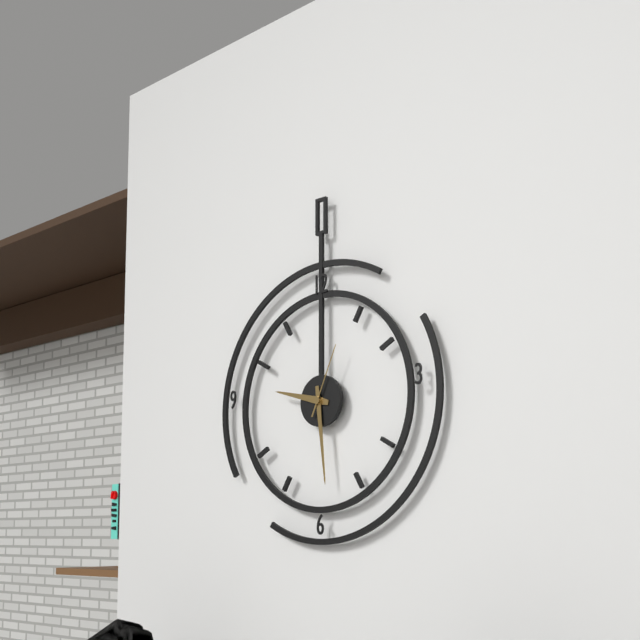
{"hour": 9, "minute": 29, "second": 4}
